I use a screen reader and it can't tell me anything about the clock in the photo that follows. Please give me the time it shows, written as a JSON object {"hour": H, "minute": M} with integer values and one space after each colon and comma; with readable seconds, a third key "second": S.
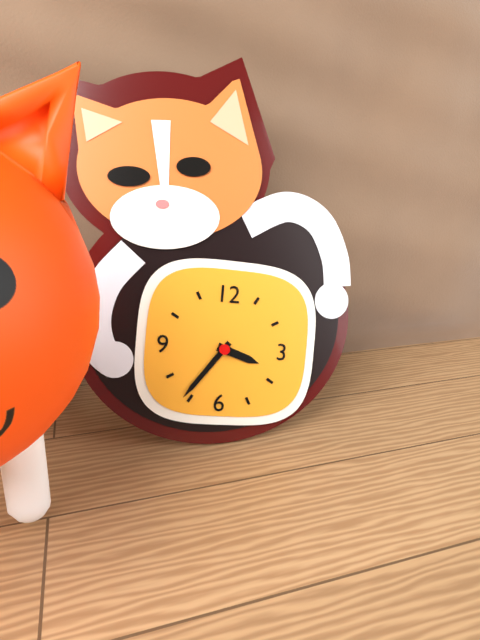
{"hour": 3, "minute": 36}
